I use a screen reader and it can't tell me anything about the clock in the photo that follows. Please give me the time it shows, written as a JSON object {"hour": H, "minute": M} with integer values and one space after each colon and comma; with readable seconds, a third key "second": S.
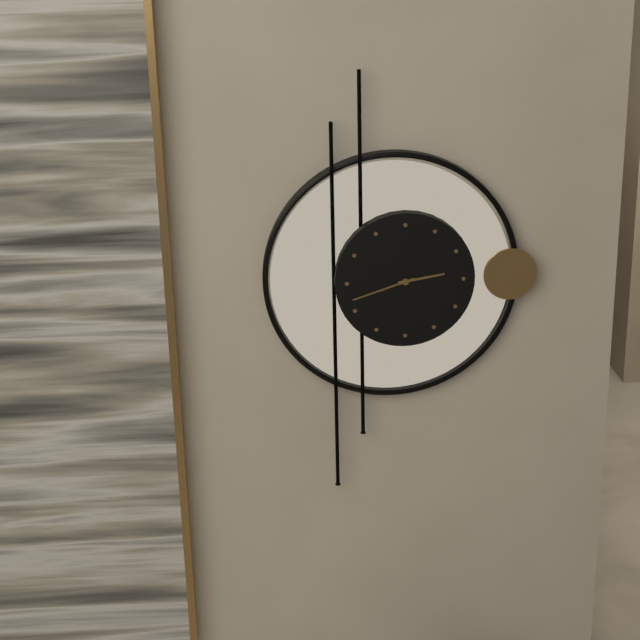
{"hour": 2, "minute": 42}
